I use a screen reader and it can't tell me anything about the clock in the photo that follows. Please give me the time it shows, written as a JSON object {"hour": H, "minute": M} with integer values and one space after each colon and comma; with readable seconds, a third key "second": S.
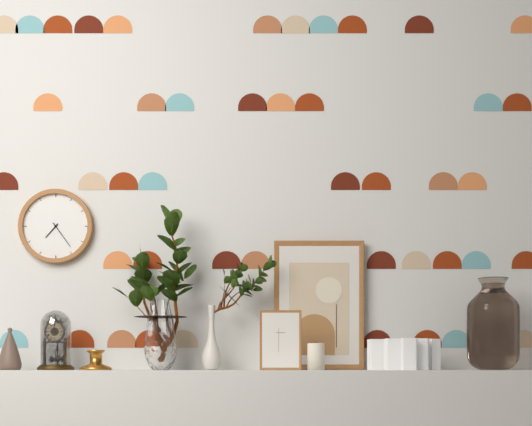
{"hour": 7, "minute": 24}
